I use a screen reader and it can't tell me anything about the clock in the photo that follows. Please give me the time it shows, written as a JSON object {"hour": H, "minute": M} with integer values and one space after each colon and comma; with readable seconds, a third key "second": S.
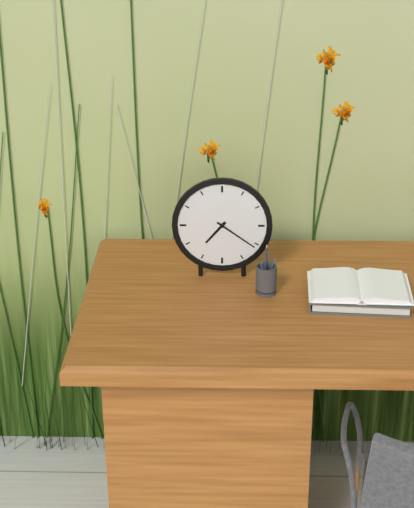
{"hour": 7, "minute": 21}
